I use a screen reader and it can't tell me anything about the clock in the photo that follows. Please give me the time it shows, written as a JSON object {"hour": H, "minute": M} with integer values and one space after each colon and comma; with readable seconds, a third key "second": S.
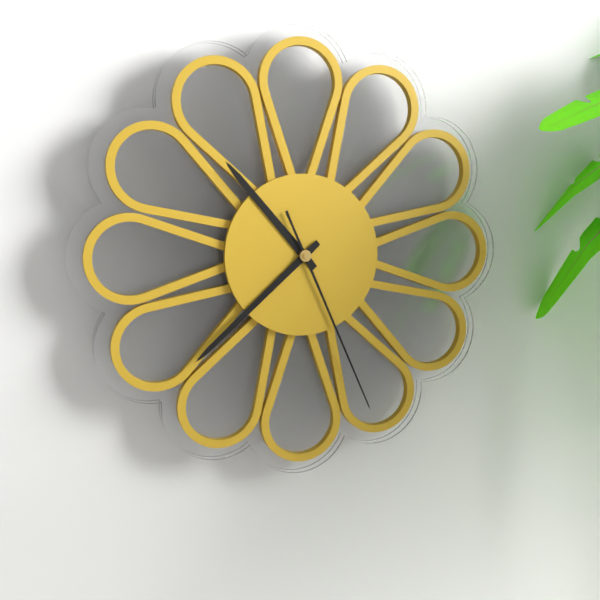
{"hour": 10, "minute": 38, "second": 26}
